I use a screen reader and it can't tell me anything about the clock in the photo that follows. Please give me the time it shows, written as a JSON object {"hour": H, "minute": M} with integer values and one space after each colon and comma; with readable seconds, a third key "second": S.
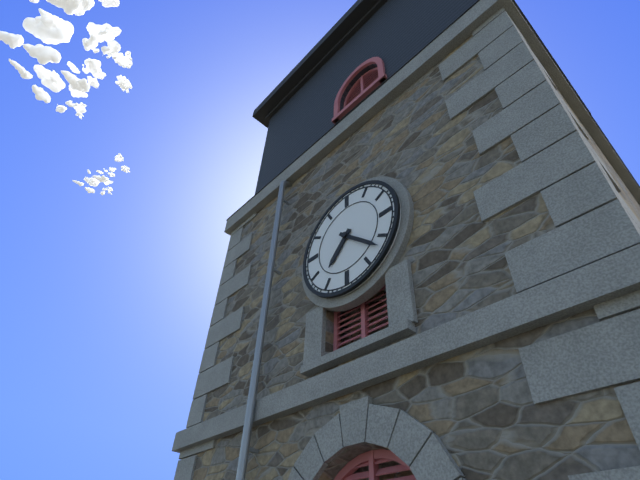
{"hour": 7, "minute": 22}
